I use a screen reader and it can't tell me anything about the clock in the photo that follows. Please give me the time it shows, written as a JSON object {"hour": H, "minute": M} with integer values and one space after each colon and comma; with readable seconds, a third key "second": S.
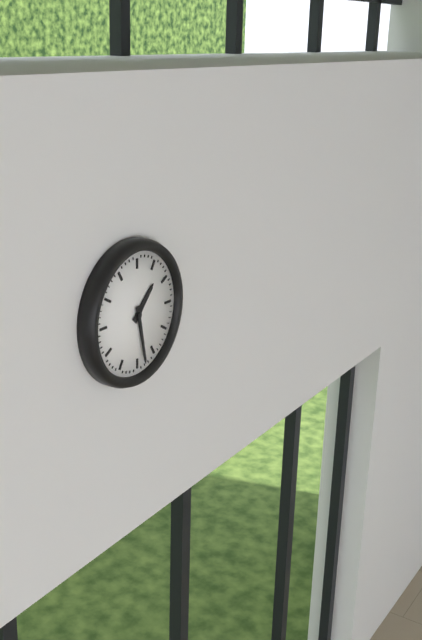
{"hour": 1, "minute": 28}
